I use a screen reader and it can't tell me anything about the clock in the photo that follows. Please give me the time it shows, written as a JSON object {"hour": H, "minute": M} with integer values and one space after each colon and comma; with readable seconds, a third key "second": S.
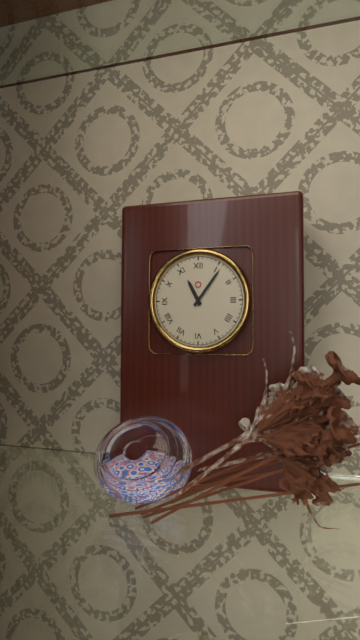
{"hour": 11, "minute": 6}
